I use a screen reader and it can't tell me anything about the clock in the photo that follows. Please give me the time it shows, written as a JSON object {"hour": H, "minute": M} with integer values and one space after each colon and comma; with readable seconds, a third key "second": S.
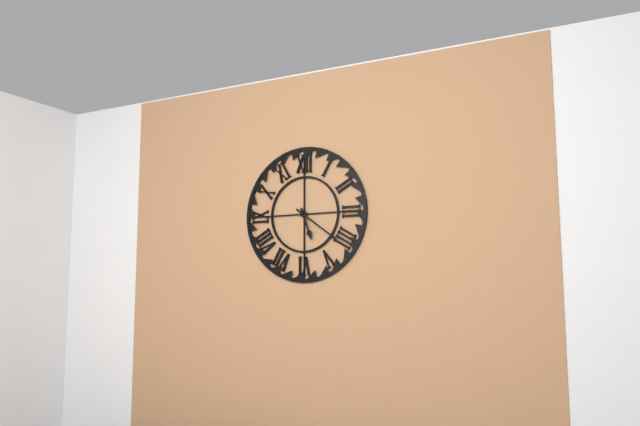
{"hour": 5, "minute": 21}
